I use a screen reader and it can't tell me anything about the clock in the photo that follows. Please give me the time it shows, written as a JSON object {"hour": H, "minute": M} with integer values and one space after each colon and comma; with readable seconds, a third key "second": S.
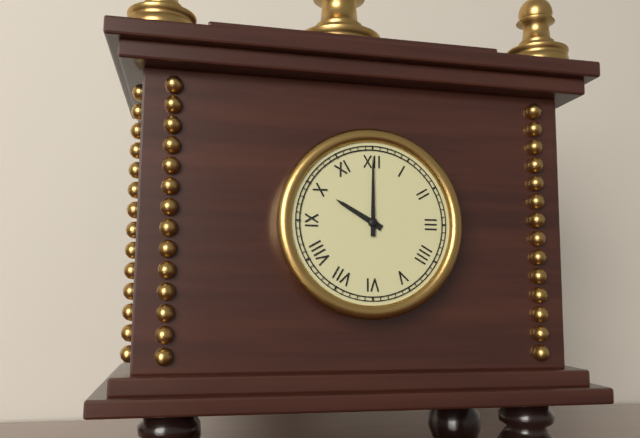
{"hour": 10, "minute": 0}
